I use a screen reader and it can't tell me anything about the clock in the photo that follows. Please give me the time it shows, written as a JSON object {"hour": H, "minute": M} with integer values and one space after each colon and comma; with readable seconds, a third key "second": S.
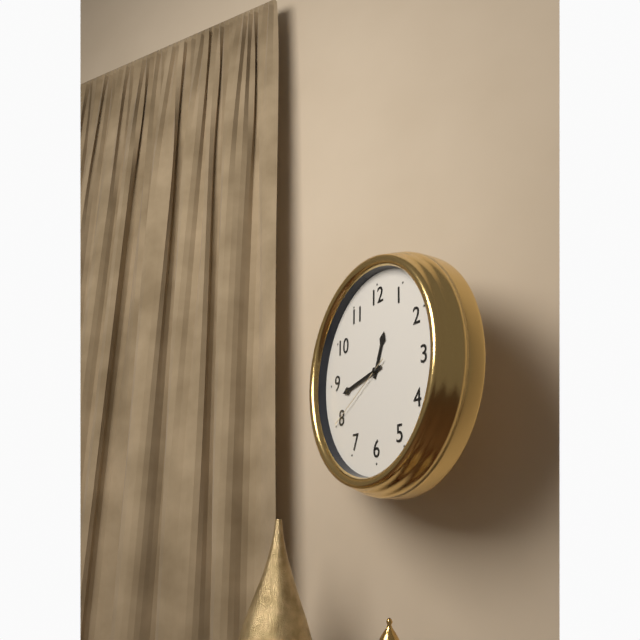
{"hour": 12, "minute": 43, "second": 40}
